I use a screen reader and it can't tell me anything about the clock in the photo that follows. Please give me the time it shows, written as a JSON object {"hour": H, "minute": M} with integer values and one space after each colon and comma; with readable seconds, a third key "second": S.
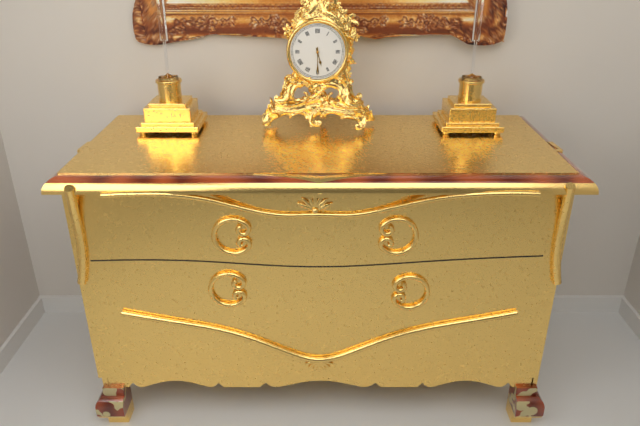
{"hour": 5, "minute": 30}
